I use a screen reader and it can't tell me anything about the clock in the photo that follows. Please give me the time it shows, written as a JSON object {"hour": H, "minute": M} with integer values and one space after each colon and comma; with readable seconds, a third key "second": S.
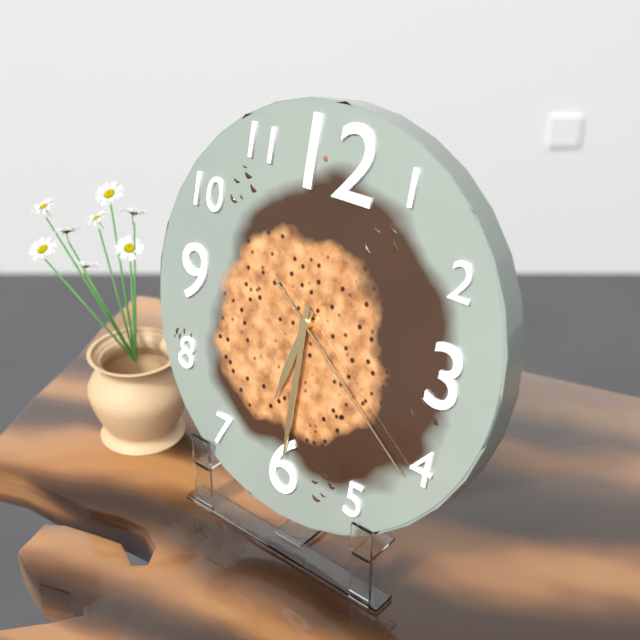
{"hour": 6, "minute": 30, "second": 21}
